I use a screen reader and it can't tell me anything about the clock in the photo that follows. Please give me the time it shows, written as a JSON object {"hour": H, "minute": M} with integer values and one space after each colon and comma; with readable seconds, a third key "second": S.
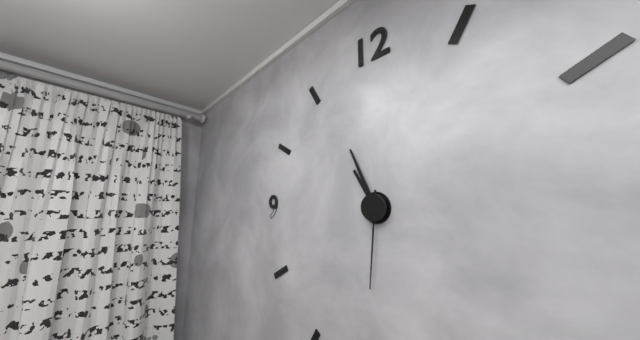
{"hour": 10, "minute": 56, "second": 31}
